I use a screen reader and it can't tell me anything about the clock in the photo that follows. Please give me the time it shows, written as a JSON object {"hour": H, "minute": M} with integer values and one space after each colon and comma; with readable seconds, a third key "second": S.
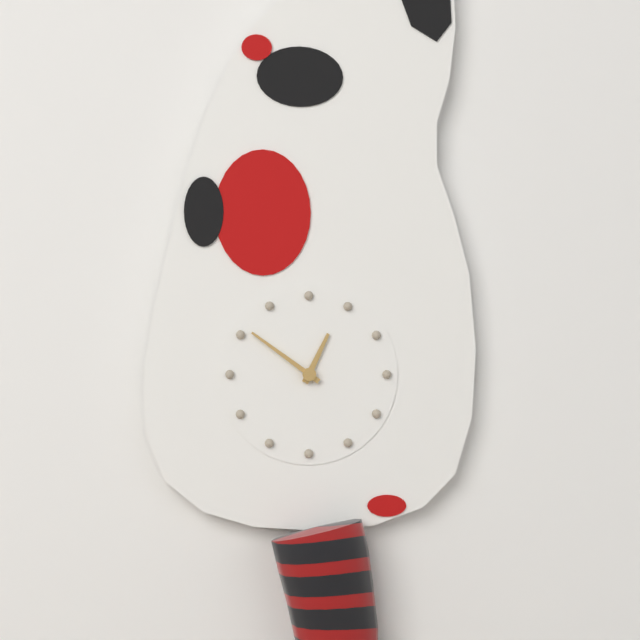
{"hour": 12, "minute": 51}
